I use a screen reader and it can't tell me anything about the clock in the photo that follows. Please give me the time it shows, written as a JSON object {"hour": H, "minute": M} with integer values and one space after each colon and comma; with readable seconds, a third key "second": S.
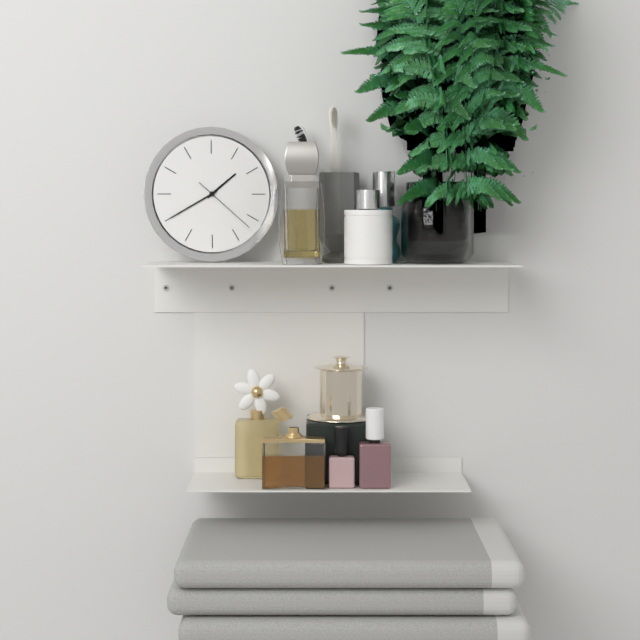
{"hour": 1, "minute": 40, "second": 22}
